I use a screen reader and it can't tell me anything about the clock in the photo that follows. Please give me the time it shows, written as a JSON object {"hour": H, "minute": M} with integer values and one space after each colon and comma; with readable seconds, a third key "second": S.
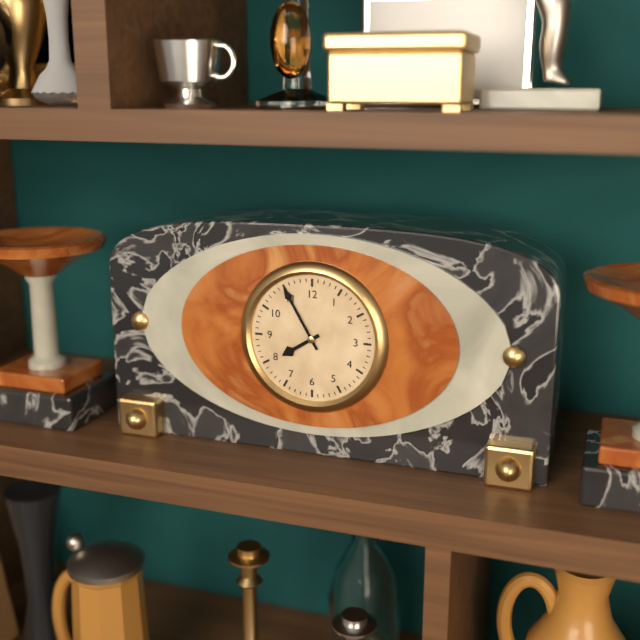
{"hour": 7, "minute": 55}
